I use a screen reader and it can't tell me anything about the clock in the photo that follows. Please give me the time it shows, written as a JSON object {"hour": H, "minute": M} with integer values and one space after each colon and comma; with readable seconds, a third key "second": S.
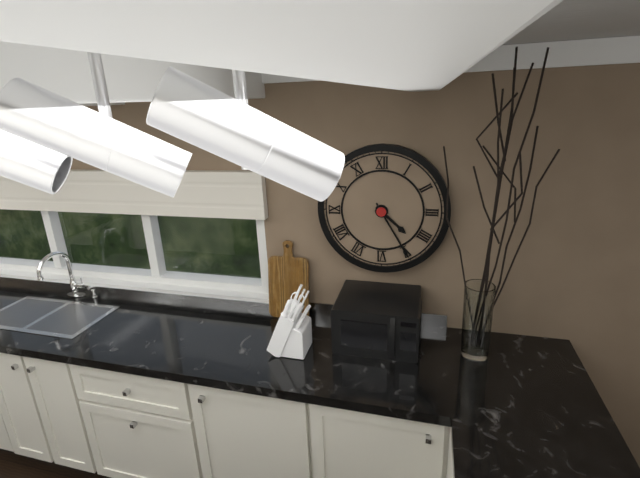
{"hour": 4, "minute": 25}
